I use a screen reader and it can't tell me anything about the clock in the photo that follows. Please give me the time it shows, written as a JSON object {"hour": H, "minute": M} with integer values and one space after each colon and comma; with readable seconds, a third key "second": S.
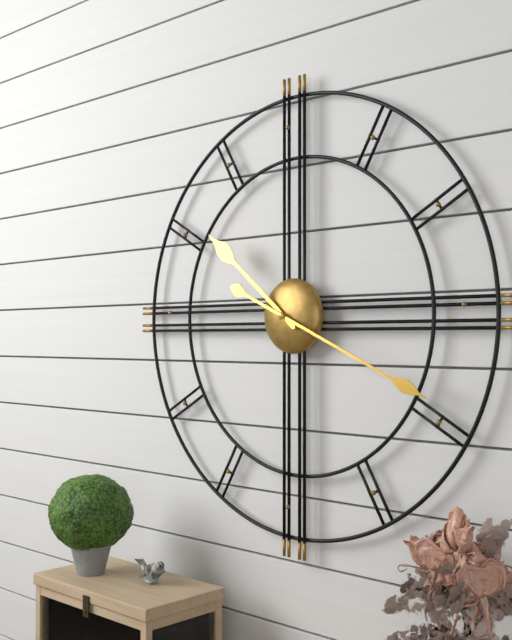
{"hour": 10, "minute": 19}
